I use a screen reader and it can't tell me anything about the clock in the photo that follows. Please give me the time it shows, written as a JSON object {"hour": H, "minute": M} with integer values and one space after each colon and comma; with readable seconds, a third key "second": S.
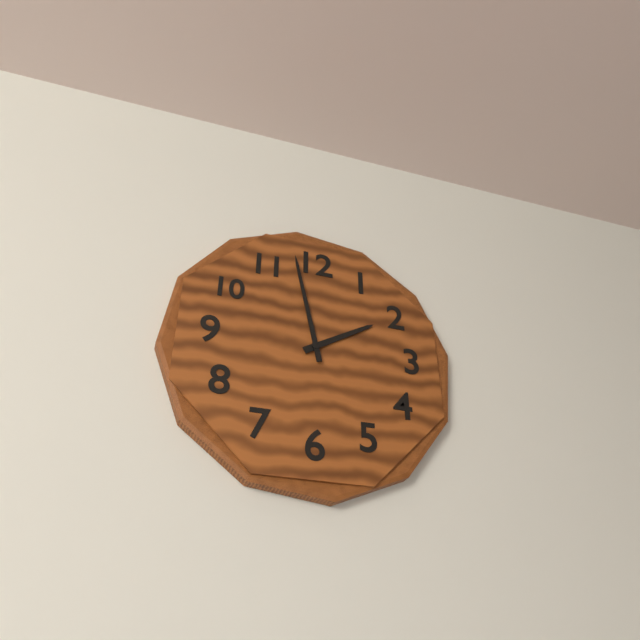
{"hour": 1, "minute": 58}
